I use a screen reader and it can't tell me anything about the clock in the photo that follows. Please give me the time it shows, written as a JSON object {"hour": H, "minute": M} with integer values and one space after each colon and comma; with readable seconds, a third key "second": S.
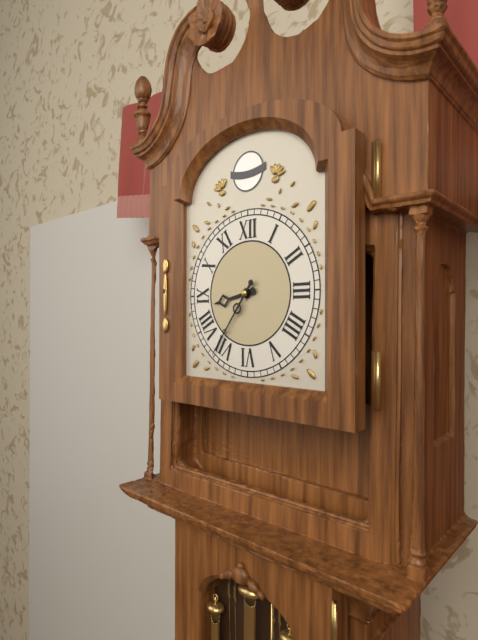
{"hour": 8, "minute": 36}
